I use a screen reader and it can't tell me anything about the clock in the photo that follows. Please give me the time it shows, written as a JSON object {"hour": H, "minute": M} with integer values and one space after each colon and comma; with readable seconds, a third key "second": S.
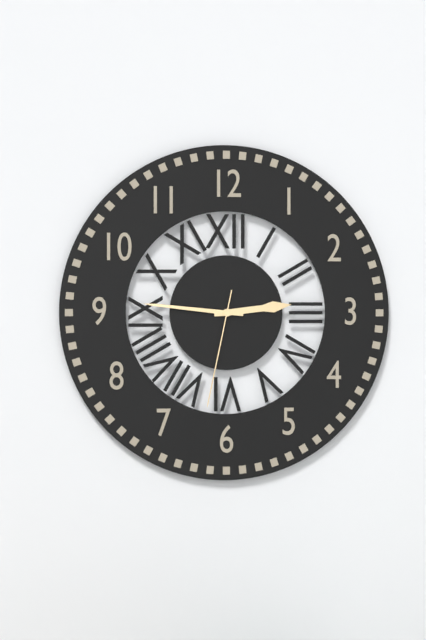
{"hour": 2, "minute": 46, "second": 32}
